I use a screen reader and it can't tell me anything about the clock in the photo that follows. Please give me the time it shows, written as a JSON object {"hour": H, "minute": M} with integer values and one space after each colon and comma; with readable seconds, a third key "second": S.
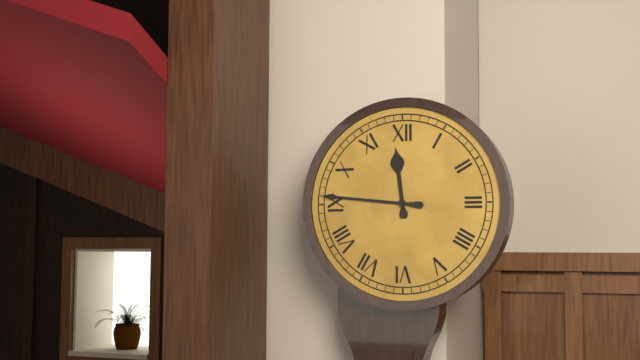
{"hour": 11, "minute": 46}
